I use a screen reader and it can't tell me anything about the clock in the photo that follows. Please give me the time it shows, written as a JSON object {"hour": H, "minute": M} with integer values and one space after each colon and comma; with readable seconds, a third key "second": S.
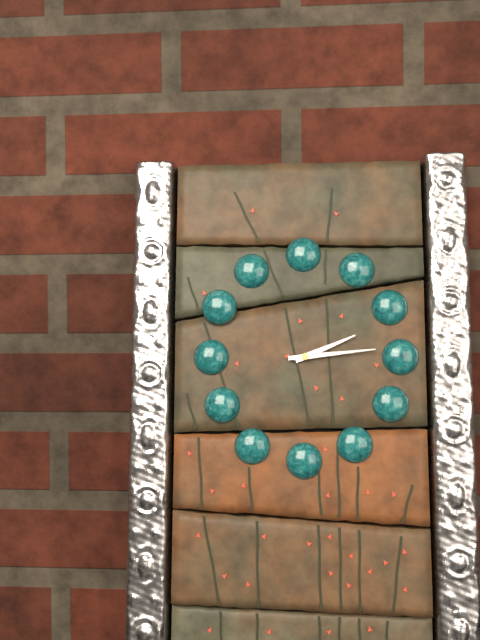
{"hour": 2, "minute": 14}
